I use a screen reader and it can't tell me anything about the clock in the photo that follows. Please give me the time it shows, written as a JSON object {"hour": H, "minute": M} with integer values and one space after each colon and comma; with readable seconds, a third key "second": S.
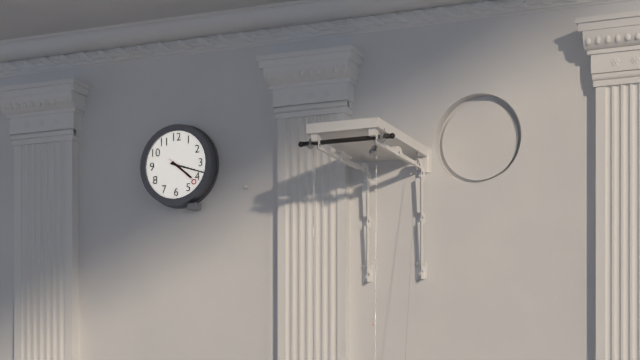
{"hour": 4, "minute": 18}
